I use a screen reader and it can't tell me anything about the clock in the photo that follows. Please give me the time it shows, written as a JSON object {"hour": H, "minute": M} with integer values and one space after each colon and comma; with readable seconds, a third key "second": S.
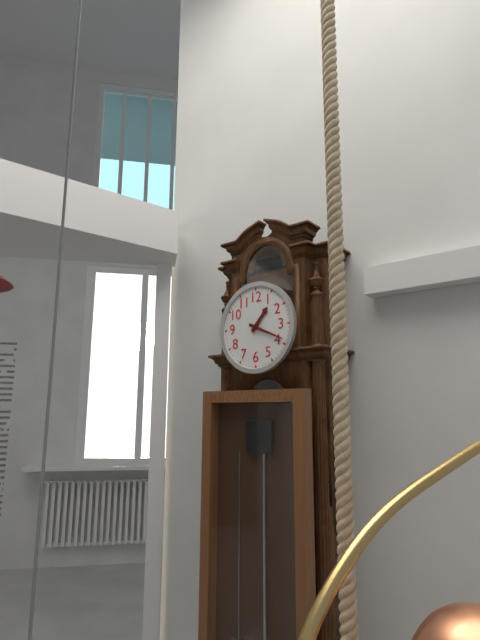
{"hour": 1, "minute": 19}
